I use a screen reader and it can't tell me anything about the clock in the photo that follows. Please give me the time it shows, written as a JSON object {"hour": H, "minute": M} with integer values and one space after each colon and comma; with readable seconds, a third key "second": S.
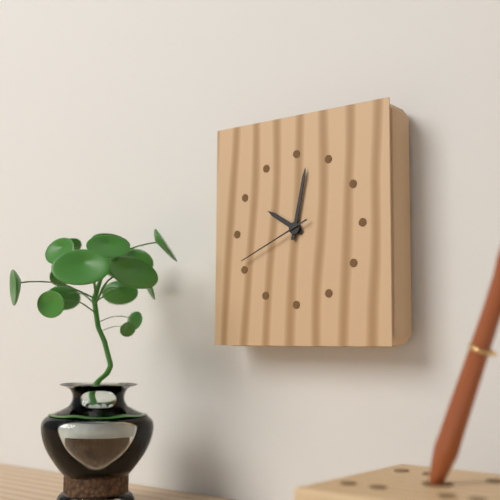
{"hour": 10, "minute": 2, "second": 41}
